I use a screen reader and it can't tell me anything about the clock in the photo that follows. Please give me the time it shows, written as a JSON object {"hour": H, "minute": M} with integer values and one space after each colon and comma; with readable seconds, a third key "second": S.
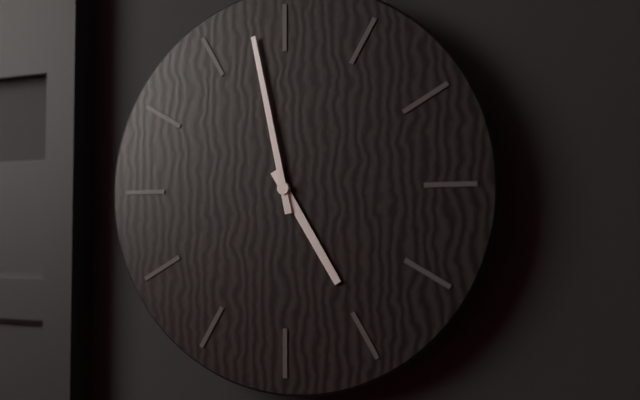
{"hour": 4, "minute": 58}
